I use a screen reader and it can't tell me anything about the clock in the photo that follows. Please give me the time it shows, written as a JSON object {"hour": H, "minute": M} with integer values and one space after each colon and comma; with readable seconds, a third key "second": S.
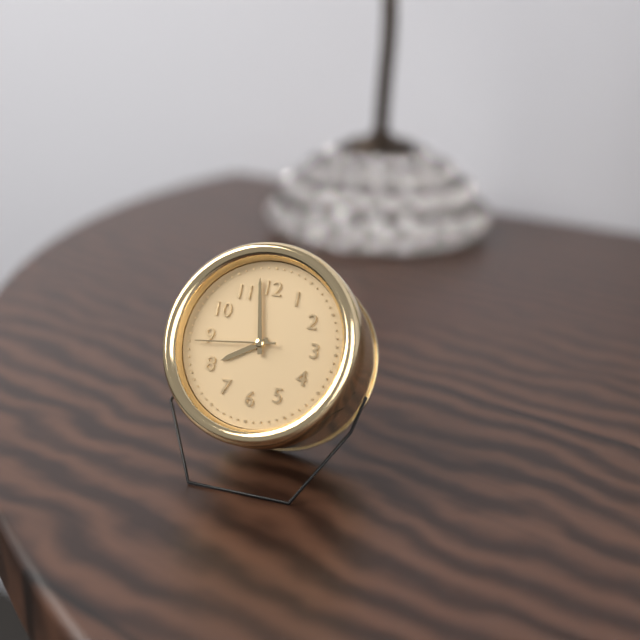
{"hour": 7, "minute": 58, "second": 44}
